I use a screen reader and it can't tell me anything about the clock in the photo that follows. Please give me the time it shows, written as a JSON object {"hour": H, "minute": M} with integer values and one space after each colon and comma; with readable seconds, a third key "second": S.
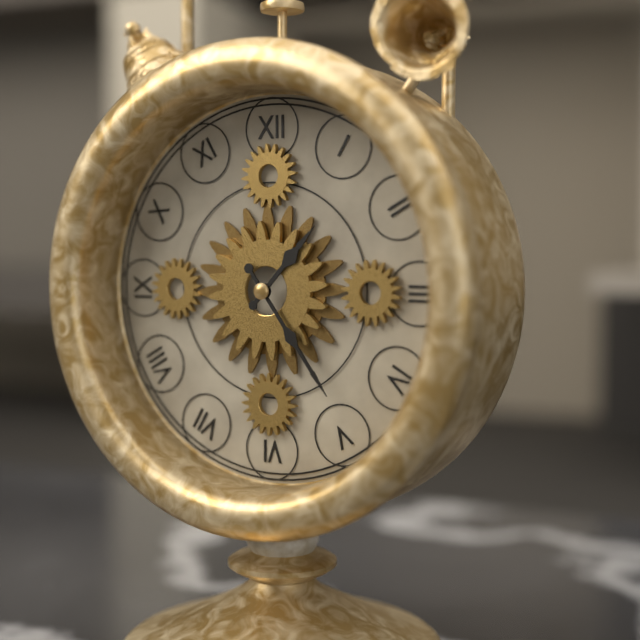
{"hour": 1, "minute": 24}
